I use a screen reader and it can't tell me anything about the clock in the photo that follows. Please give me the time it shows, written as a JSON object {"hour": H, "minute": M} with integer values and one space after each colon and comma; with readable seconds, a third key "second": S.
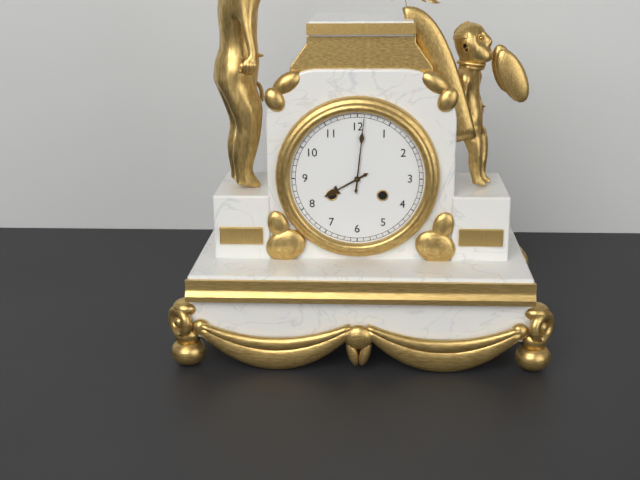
{"hour": 8, "minute": 1}
